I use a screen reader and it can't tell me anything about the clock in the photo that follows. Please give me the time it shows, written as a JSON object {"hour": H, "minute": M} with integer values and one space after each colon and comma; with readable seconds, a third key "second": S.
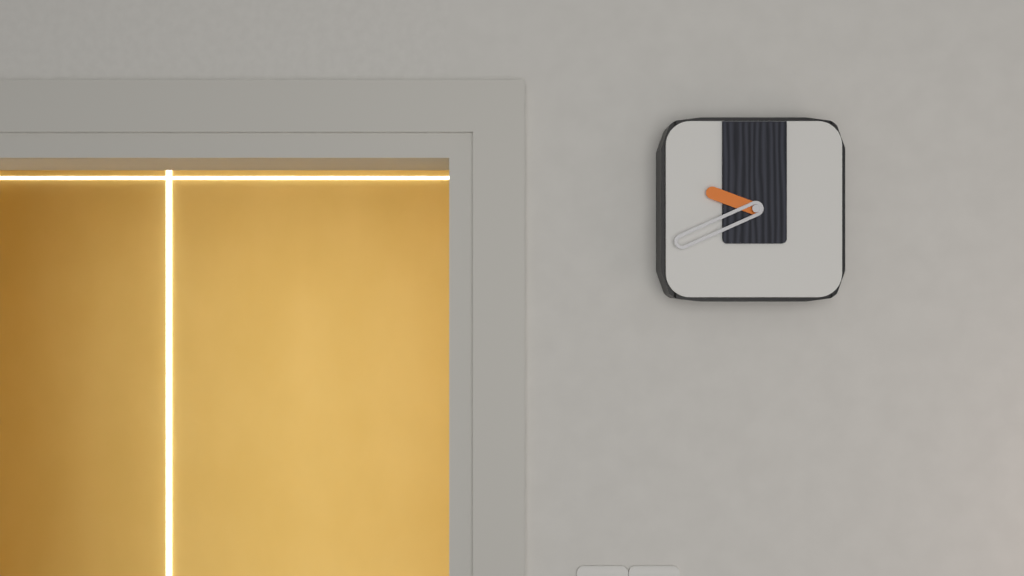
{"hour": 9, "minute": 41}
